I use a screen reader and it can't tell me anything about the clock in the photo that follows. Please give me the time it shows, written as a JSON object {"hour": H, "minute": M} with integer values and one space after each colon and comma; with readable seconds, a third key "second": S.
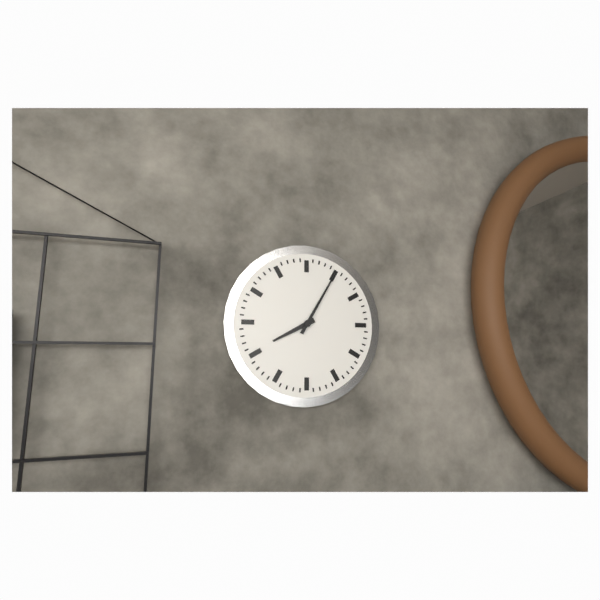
{"hour": 8, "minute": 5}
